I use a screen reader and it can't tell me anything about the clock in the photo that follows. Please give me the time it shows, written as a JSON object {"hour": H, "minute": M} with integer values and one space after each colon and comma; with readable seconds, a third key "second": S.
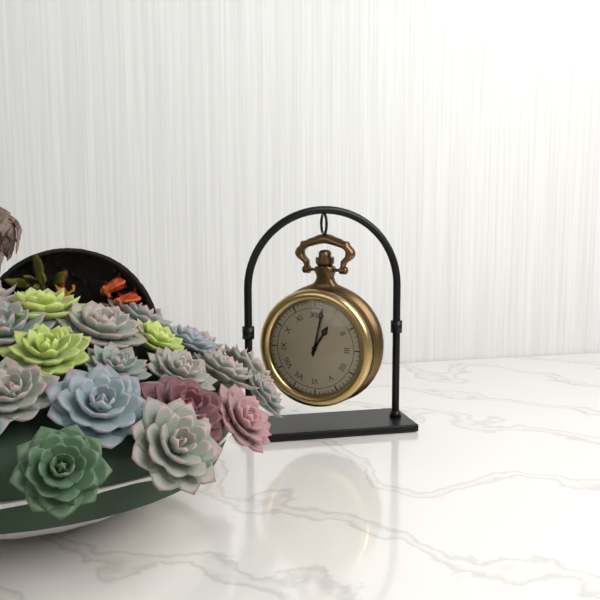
{"hour": 1, "minute": 2}
